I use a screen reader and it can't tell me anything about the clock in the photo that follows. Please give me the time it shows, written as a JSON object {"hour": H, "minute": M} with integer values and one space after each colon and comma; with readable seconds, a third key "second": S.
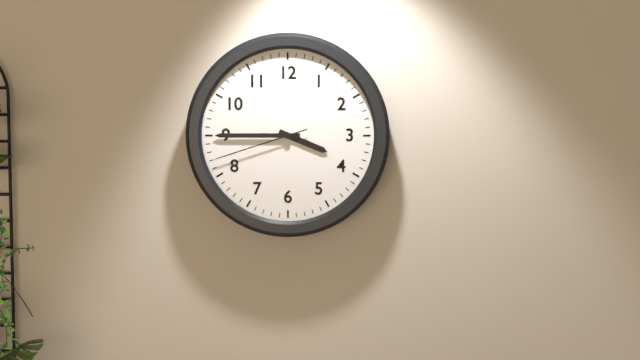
{"hour": 3, "minute": 45, "second": 42}
